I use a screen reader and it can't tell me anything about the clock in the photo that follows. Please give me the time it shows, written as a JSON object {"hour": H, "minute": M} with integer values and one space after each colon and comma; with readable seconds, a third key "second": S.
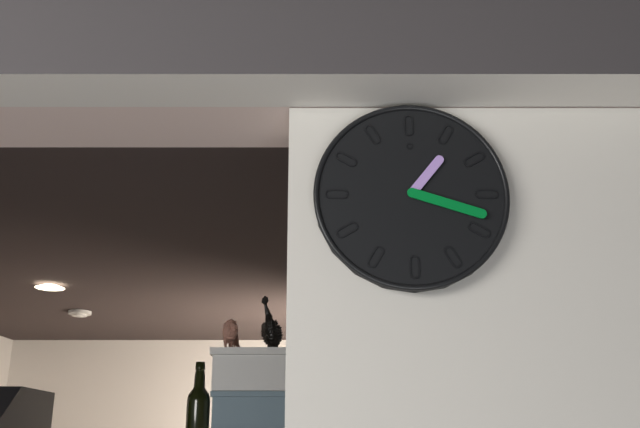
{"hour": 1, "minute": 18}
